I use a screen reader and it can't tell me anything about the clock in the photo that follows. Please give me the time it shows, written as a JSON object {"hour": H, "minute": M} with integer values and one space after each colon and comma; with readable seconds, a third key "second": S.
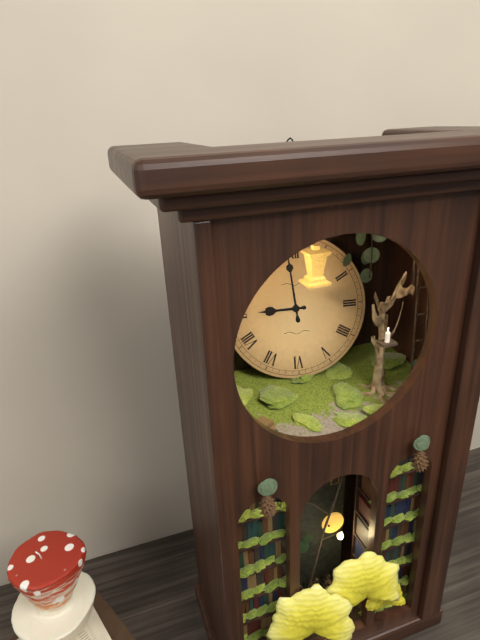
{"hour": 8, "minute": 59}
